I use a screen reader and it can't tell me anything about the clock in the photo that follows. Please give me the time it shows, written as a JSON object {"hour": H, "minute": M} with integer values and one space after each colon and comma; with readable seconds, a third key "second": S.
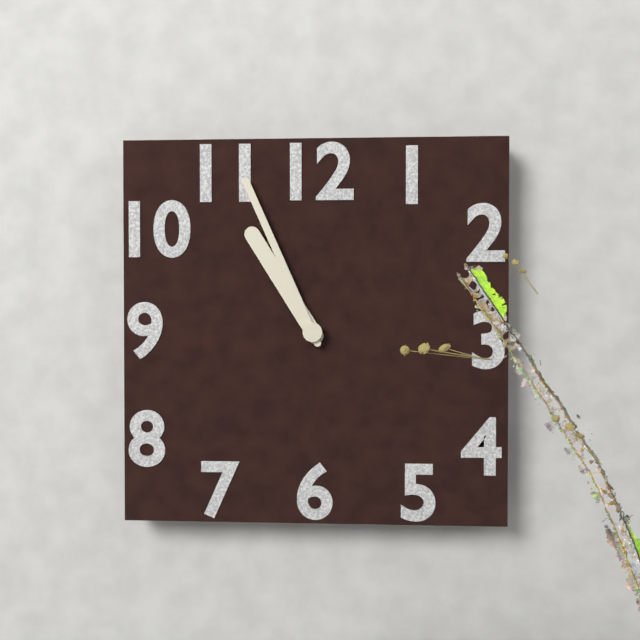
{"hour": 10, "minute": 56}
